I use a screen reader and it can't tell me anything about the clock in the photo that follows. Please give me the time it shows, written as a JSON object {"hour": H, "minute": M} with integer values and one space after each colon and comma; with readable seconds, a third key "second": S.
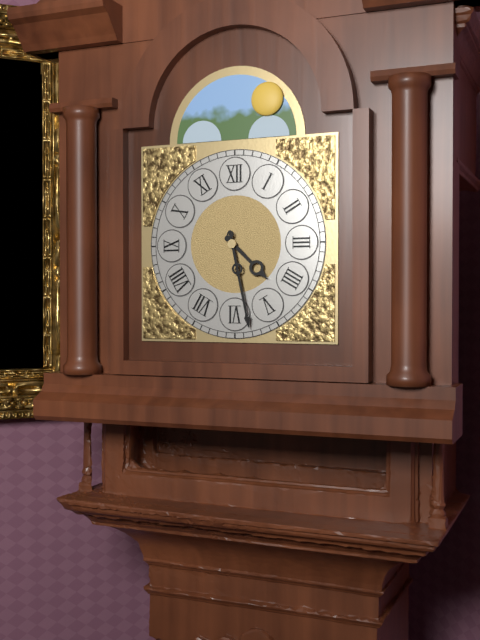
{"hour": 4, "minute": 28}
